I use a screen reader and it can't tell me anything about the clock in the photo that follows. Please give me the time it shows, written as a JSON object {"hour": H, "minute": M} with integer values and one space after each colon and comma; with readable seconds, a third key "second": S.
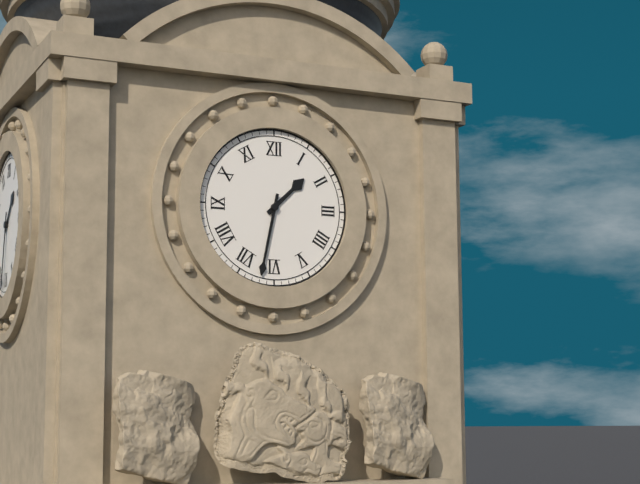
{"hour": 1, "minute": 32}
